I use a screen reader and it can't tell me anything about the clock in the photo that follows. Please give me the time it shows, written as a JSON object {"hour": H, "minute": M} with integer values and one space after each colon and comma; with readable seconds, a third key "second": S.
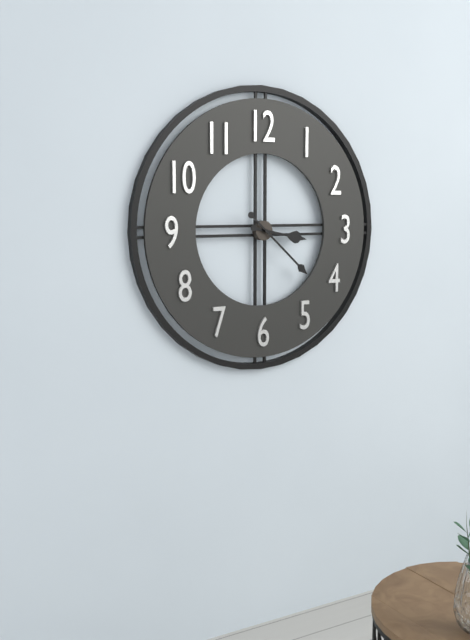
{"hour": 3, "minute": 22}
